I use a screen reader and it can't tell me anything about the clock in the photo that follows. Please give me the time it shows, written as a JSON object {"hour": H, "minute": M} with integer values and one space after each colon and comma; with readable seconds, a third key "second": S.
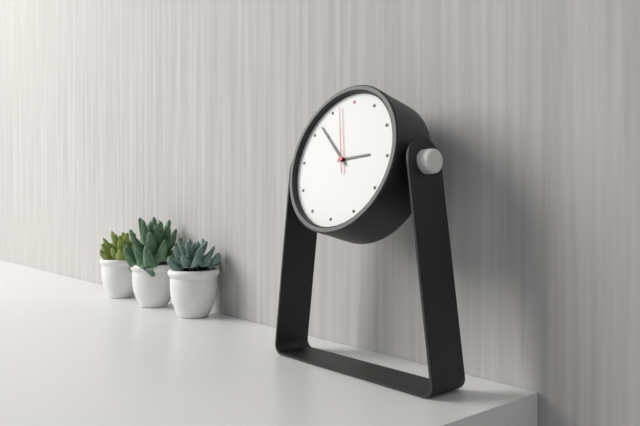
{"hour": 2, "minute": 52, "second": 57}
